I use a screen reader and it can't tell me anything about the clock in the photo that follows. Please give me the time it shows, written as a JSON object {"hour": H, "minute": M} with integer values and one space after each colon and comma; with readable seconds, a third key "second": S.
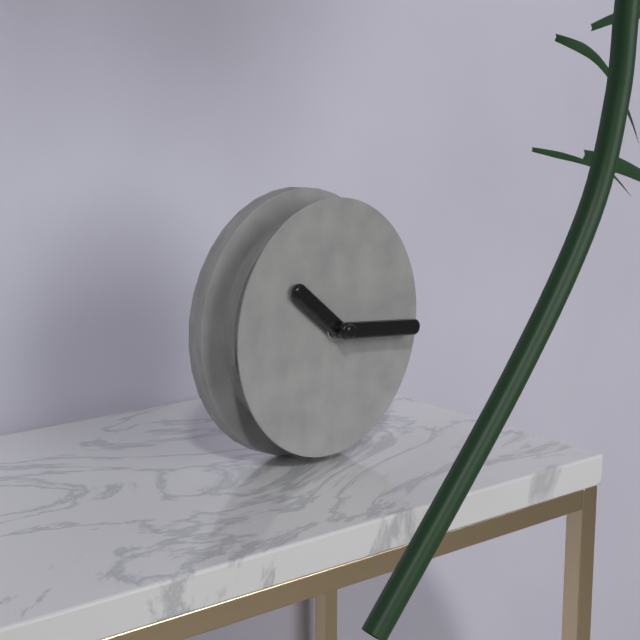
{"hour": 10, "minute": 16}
